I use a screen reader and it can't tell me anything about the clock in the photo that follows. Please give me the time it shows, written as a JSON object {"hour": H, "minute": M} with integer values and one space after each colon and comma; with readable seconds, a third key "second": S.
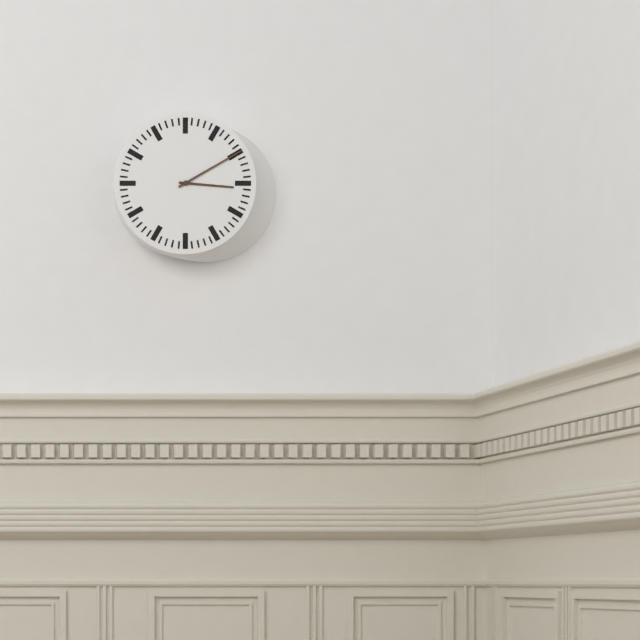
{"hour": 3, "minute": 10}
